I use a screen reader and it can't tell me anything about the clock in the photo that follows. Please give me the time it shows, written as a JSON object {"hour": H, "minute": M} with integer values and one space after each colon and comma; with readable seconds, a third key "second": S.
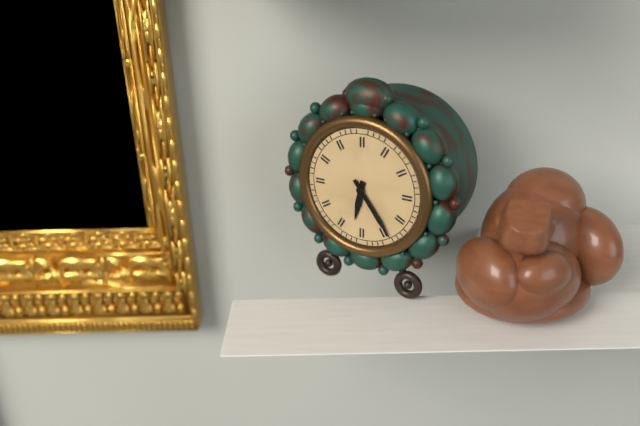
{"hour": 6, "minute": 24}
